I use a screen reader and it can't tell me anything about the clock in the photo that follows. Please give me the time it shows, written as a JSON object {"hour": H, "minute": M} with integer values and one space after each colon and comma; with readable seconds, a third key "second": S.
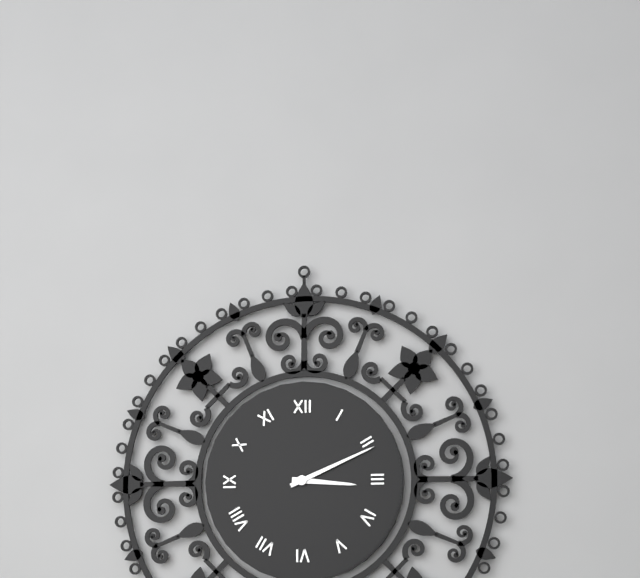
{"hour": 3, "minute": 11}
